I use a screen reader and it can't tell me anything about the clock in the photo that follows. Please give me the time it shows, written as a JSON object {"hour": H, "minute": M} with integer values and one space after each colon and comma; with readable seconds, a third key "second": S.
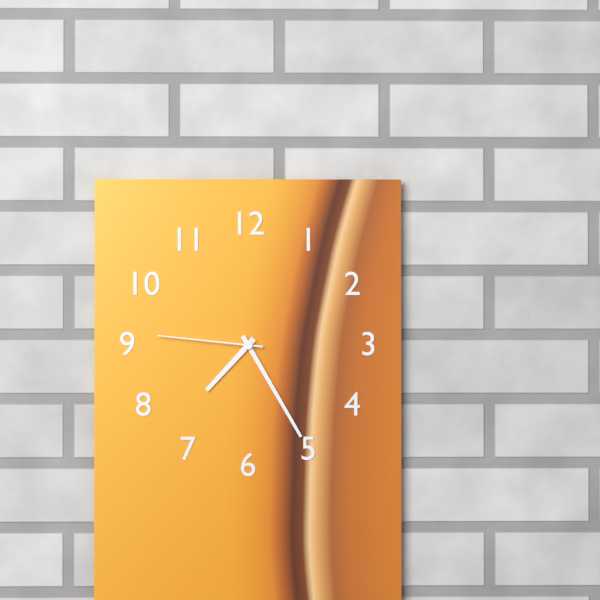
{"hour": 7, "minute": 25, "second": 46}
